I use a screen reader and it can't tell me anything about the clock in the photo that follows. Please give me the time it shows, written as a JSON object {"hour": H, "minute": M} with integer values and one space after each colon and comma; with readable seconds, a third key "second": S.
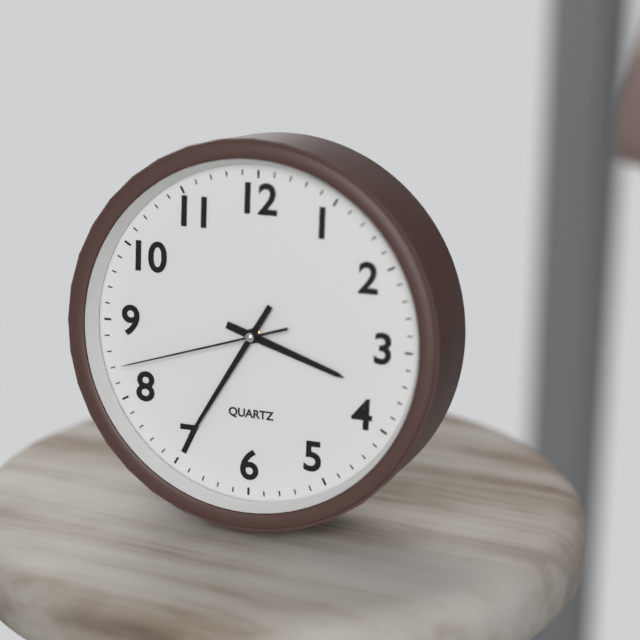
{"hour": 3, "minute": 35, "second": 42}
